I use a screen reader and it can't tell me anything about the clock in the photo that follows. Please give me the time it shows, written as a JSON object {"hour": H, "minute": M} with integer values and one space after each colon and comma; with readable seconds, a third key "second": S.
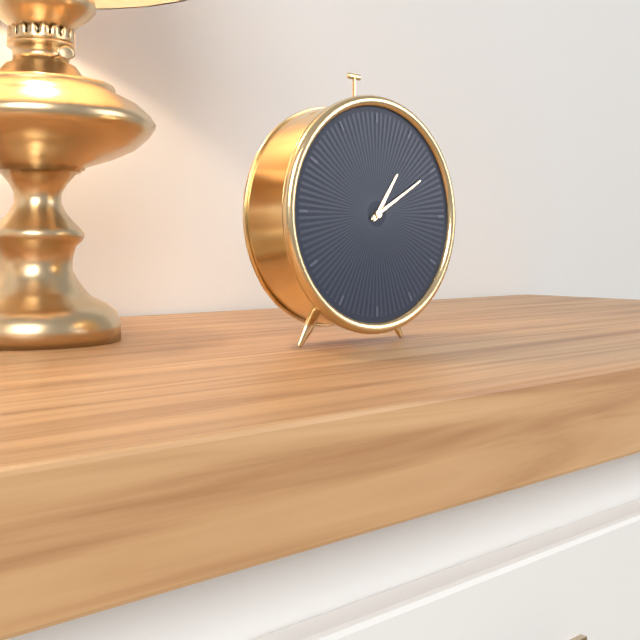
{"hour": 1, "minute": 10}
